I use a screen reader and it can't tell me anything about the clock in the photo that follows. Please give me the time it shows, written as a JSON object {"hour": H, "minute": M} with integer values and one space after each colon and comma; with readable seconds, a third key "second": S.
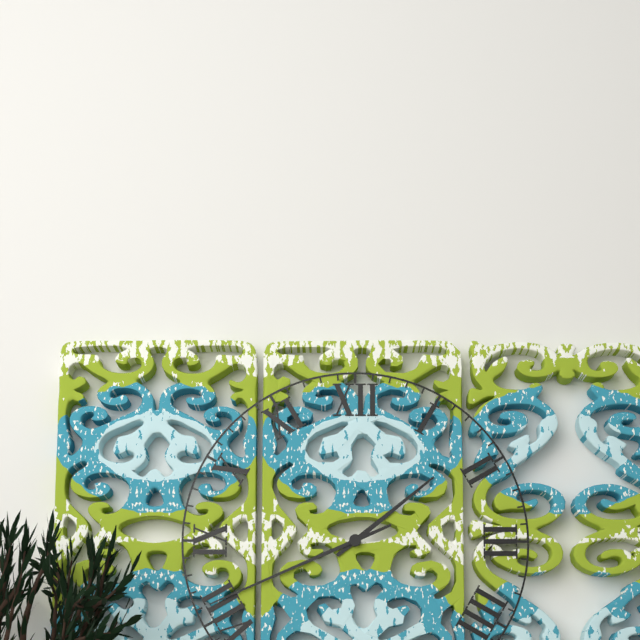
{"hour": 1, "minute": 41}
